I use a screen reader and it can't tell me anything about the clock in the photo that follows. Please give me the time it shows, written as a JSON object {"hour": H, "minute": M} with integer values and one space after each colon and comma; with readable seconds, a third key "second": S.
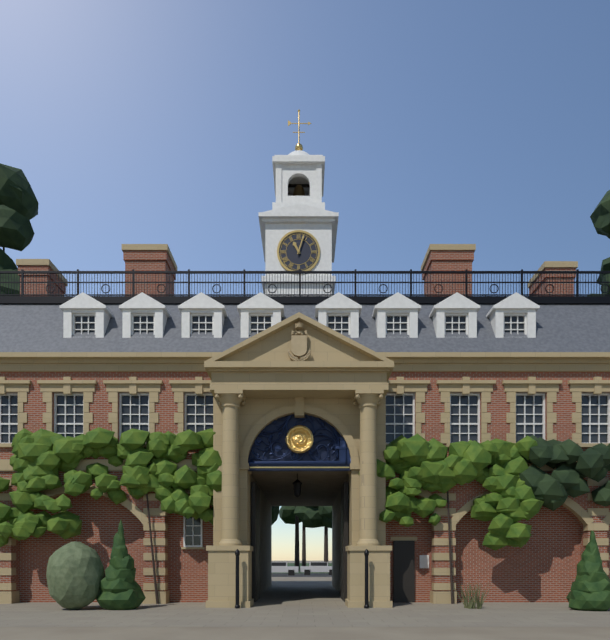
{"hour": 11, "minute": 3}
